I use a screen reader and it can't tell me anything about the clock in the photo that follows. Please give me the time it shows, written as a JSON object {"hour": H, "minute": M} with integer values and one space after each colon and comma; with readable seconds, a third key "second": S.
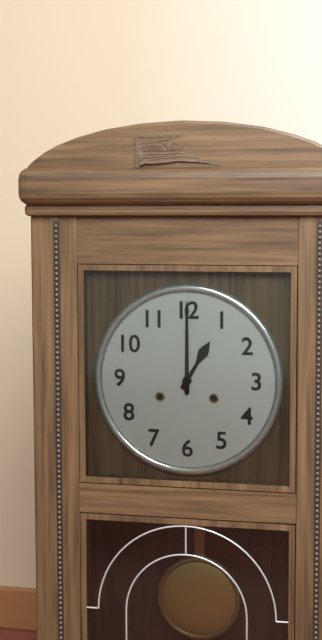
{"hour": 1, "minute": 0}
